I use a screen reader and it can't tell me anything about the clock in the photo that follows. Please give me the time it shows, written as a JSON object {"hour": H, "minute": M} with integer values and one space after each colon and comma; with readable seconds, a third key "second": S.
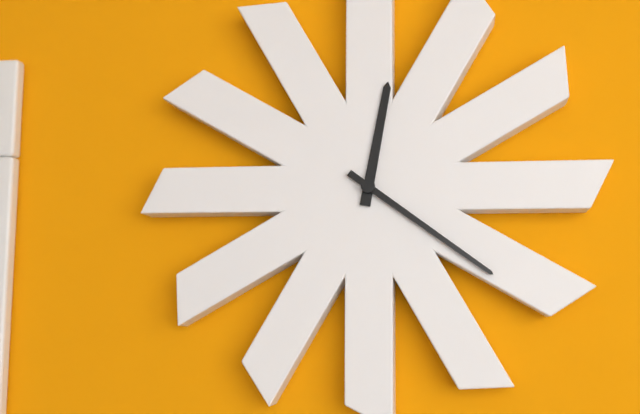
{"hour": 12, "minute": 21}
